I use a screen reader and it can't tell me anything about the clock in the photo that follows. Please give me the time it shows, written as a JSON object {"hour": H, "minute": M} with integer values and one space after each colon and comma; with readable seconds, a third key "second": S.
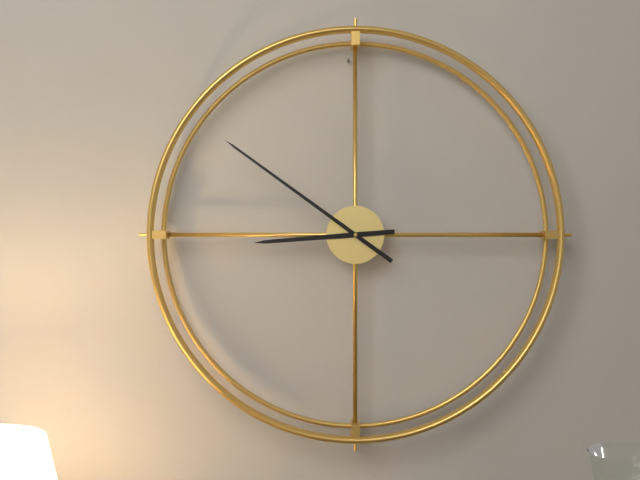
{"hour": 8, "minute": 51}
